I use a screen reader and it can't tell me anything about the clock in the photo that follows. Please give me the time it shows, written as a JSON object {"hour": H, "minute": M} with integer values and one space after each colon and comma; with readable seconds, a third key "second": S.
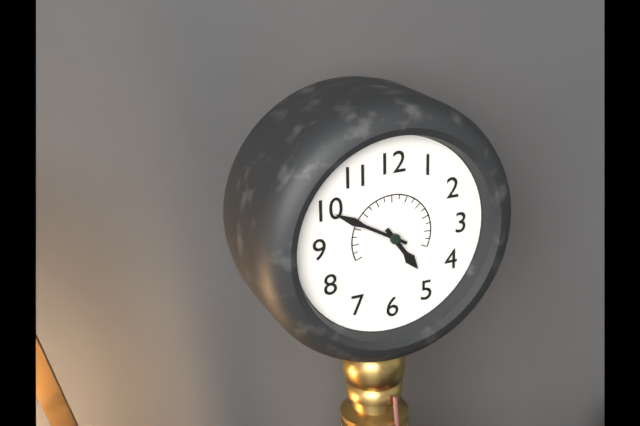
{"hour": 4, "minute": 50}
